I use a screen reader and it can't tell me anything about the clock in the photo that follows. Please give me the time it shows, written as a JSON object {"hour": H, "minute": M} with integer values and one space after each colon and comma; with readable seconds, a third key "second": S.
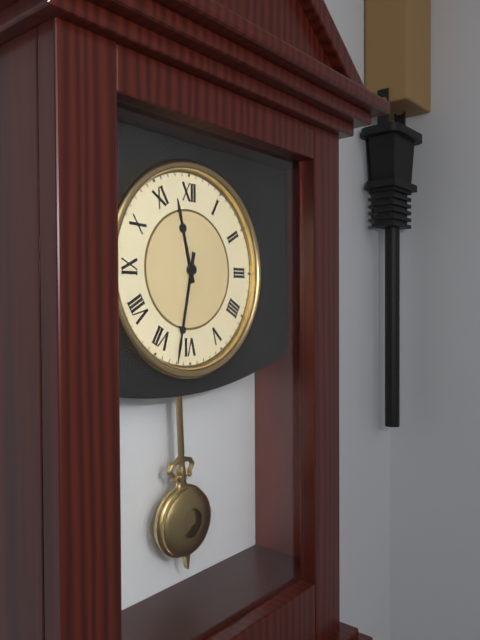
{"hour": 11, "minute": 32}
